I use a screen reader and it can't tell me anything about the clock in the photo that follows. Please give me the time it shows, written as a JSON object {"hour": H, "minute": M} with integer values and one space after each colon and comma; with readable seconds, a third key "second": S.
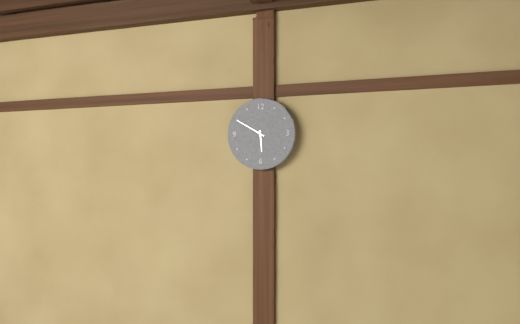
{"hour": 5, "minute": 50}
